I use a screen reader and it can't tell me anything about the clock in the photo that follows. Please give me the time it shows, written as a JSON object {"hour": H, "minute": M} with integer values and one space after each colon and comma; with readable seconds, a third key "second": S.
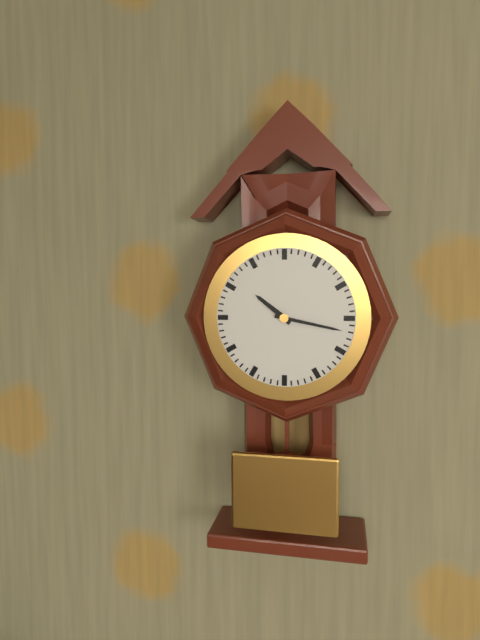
{"hour": 10, "minute": 17}
